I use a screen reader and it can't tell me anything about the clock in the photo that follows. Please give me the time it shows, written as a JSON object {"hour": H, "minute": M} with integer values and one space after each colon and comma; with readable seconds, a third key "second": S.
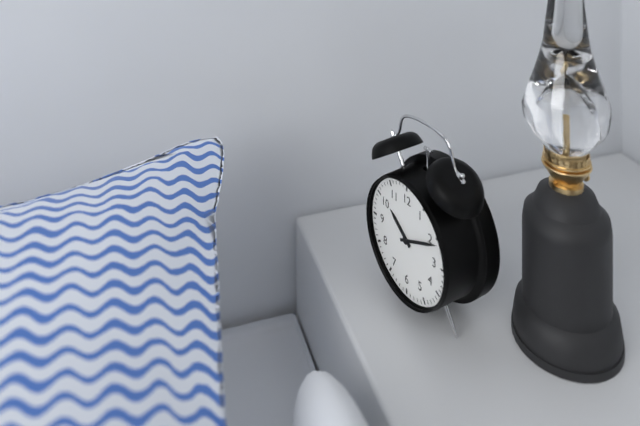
{"hour": 10, "minute": 11}
